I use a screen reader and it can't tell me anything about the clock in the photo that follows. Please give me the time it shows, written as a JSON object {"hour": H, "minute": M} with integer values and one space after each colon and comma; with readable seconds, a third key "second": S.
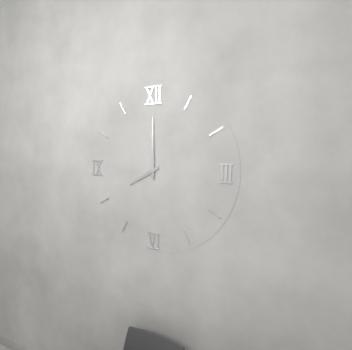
{"hour": 8, "minute": 0}
